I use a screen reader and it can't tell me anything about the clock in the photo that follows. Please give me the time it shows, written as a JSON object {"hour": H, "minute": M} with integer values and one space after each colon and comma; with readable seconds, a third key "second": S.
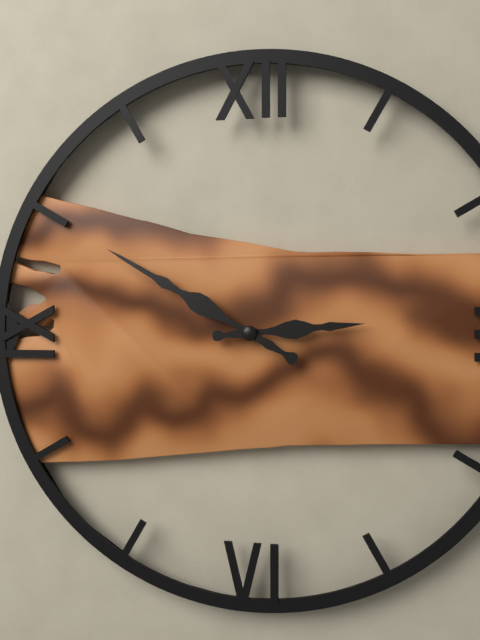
{"hour": 2, "minute": 50}
